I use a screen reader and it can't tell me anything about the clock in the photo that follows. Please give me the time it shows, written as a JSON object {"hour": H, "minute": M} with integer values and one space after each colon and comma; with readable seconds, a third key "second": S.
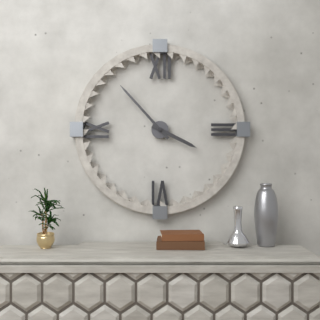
{"hour": 3, "minute": 53}
